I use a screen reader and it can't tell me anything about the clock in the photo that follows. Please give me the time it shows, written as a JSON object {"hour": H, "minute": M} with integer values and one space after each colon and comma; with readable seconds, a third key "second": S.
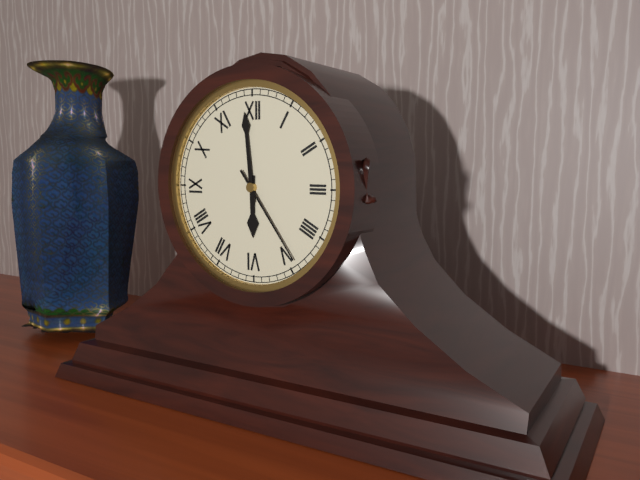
{"hour": 5, "minute": 59, "second": 24}
